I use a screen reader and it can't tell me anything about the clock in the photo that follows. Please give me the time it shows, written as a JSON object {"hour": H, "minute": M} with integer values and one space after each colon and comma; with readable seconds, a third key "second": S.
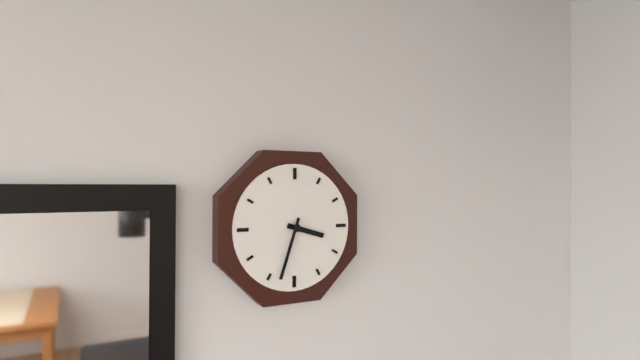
{"hour": 3, "minute": 33}
